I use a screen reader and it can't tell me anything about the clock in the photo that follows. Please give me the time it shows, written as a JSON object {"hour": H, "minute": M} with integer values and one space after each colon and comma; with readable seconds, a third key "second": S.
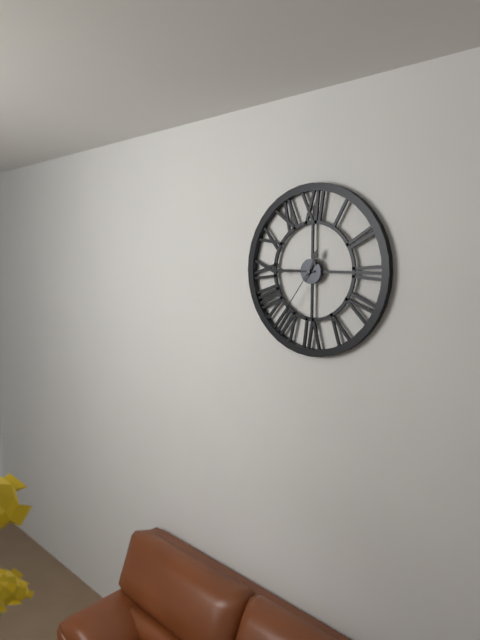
{"hour": 12, "minute": 45, "second": 36}
